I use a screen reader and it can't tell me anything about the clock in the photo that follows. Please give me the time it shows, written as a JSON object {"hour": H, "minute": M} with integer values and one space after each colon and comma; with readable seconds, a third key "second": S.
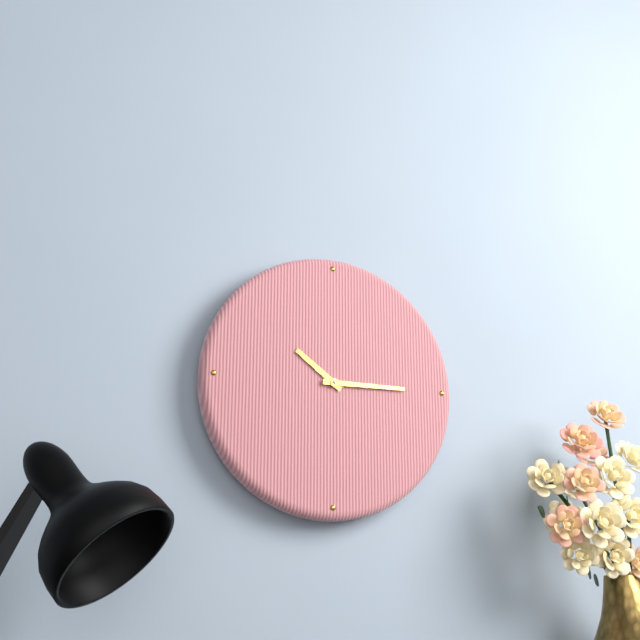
{"hour": 10, "minute": 15}
